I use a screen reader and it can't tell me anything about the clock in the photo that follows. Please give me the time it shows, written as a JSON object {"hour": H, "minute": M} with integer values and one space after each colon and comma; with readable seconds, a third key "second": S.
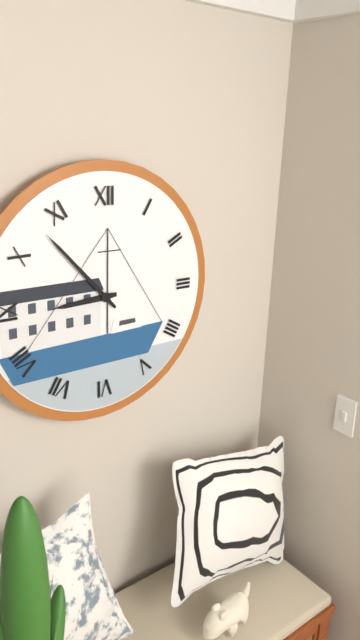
{"hour": 8, "minute": 53}
